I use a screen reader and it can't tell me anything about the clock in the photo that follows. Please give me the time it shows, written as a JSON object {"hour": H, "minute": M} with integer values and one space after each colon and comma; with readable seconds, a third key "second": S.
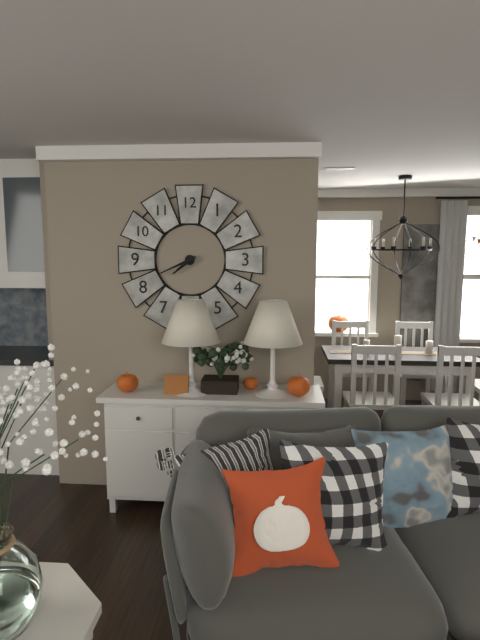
{"hour": 7, "minute": 41}
